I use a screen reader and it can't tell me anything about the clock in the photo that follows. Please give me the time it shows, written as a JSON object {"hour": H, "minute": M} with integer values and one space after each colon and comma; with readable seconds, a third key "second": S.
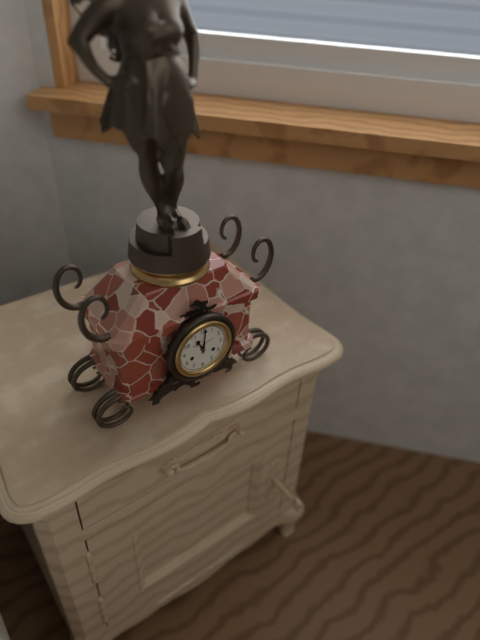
{"hour": 11, "minute": 1}
